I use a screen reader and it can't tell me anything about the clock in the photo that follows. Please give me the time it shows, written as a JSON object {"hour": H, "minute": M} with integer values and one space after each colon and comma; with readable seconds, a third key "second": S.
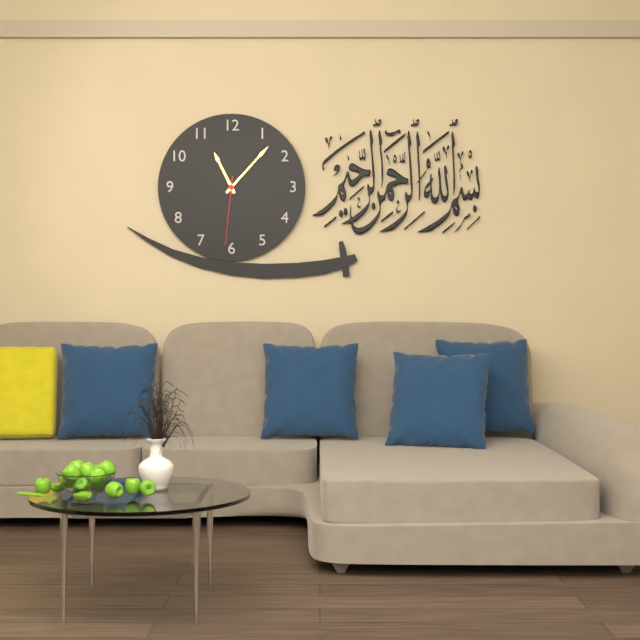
{"hour": 11, "minute": 7, "second": 31}
